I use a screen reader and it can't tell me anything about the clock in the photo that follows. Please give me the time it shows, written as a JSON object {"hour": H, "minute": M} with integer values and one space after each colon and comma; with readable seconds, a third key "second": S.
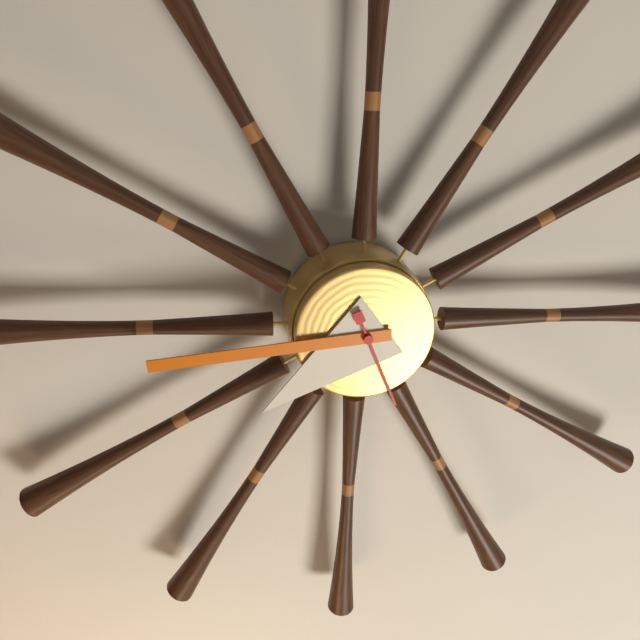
{"hour": 7, "minute": 44, "second": 26}
